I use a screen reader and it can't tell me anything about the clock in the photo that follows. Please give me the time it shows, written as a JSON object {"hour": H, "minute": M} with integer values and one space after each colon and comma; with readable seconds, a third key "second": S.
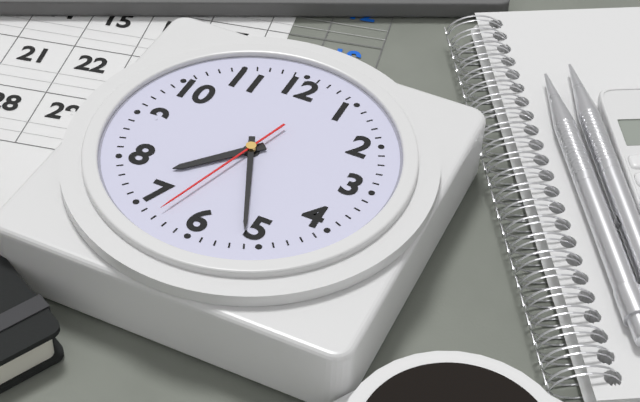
{"hour": 7, "minute": 26, "second": 33}
